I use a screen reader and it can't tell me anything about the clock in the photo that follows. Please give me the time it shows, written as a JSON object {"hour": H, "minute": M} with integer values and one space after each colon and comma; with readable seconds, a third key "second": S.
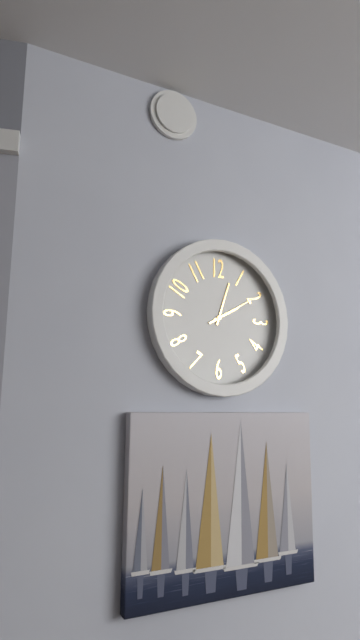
{"hour": 2, "minute": 3}
